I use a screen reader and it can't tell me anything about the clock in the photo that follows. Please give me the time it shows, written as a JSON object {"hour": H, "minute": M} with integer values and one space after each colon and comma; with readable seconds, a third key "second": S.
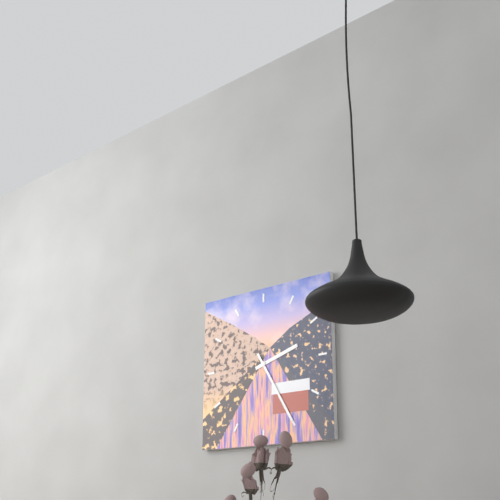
{"hour": 2, "minute": 25}
